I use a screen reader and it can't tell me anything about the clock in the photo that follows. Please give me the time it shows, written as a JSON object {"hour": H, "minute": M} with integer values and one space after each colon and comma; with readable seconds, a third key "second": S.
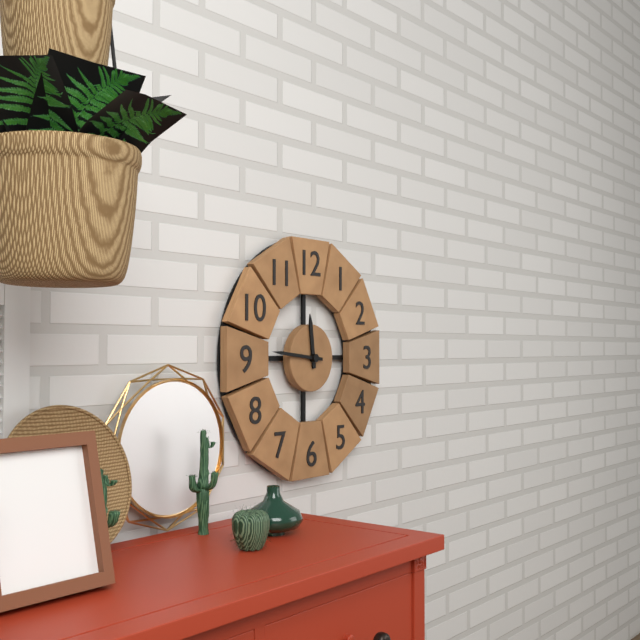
{"hour": 11, "minute": 46}
